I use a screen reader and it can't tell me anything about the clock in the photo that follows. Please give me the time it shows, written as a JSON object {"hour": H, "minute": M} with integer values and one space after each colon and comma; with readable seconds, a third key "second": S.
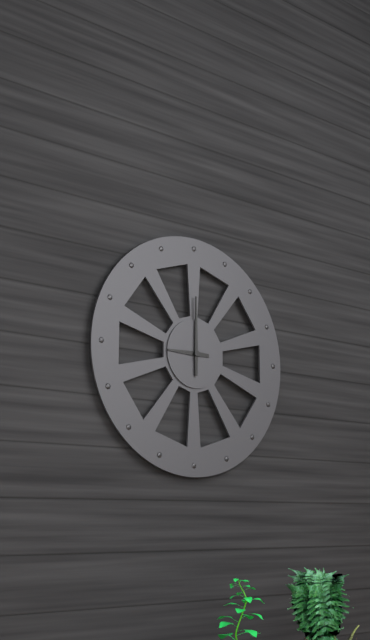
{"hour": 9, "minute": 0}
